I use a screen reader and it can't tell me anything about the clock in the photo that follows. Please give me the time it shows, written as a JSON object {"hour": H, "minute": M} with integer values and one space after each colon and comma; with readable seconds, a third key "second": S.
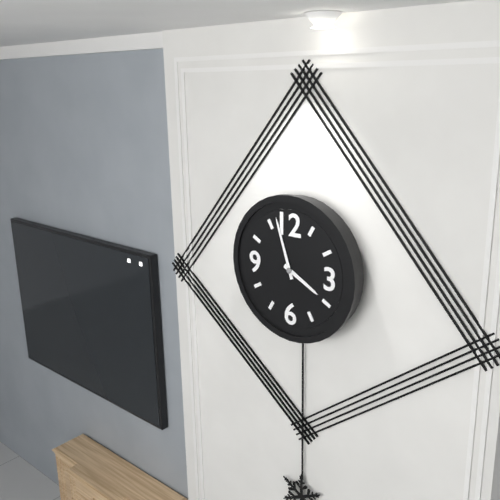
{"hour": 3, "minute": 57}
